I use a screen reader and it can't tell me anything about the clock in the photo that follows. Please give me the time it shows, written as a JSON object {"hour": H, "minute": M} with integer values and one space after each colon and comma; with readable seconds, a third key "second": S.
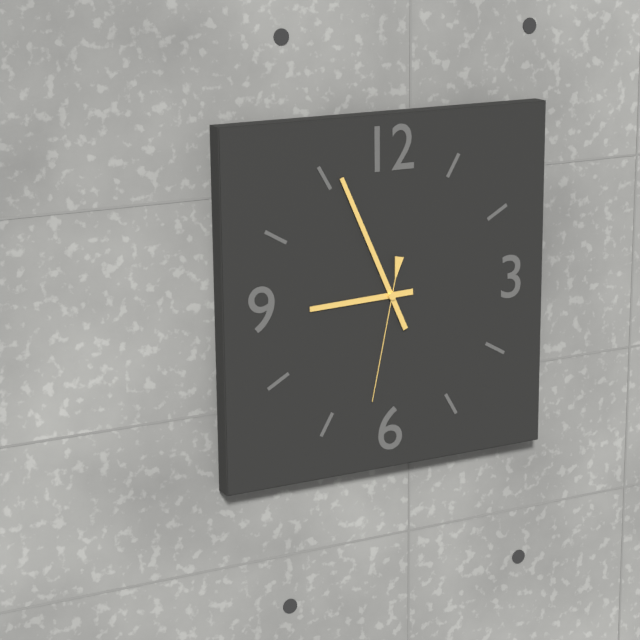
{"hour": 8, "minute": 56, "second": 32}
